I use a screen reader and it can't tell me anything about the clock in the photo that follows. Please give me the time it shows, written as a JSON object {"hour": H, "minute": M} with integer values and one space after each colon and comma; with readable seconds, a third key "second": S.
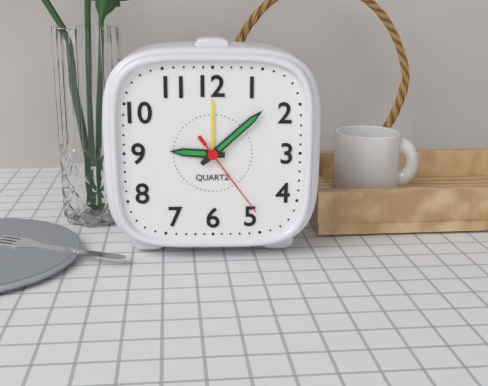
{"hour": 9, "minute": 8, "second": 24}
